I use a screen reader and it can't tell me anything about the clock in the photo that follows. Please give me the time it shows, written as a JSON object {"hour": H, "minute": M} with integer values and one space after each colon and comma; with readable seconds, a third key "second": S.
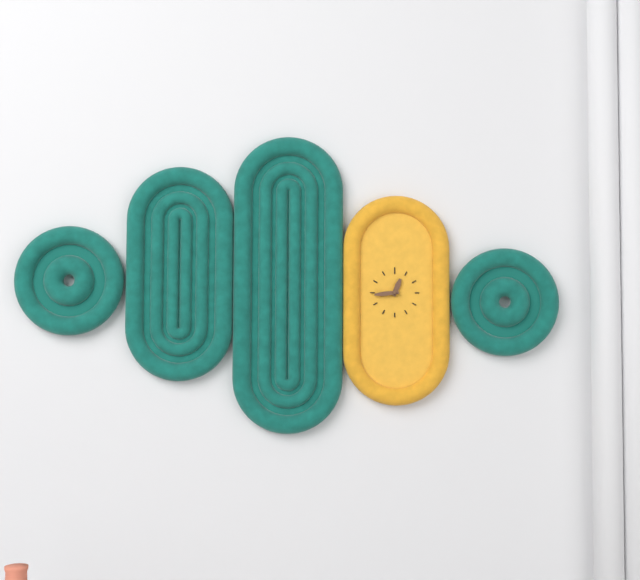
{"hour": 12, "minute": 44}
